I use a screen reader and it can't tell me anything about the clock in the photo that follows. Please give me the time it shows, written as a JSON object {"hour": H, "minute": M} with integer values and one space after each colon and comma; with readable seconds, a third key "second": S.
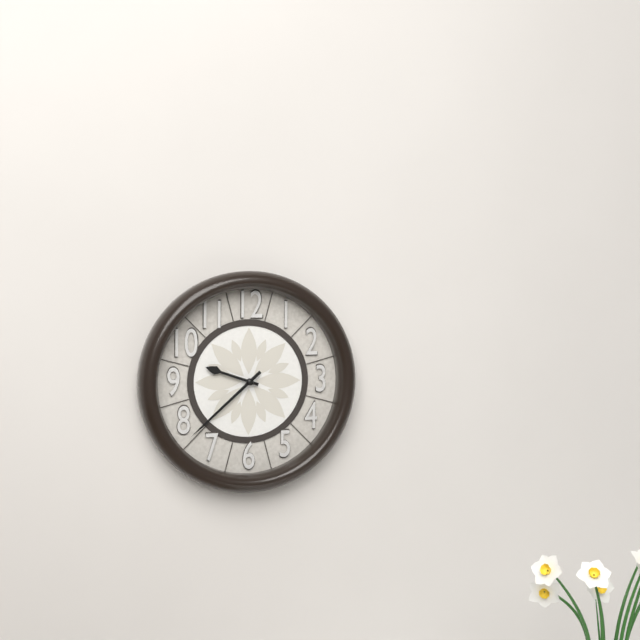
{"hour": 9, "minute": 38}
